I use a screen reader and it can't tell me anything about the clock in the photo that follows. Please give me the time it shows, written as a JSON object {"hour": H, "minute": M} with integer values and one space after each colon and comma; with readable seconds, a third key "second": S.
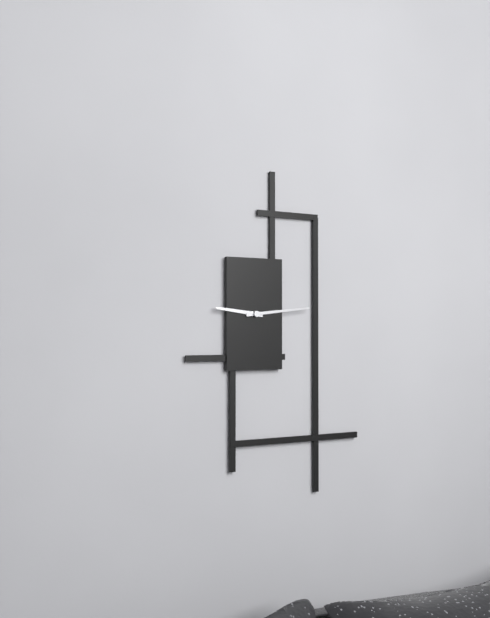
{"hour": 9, "minute": 14}
